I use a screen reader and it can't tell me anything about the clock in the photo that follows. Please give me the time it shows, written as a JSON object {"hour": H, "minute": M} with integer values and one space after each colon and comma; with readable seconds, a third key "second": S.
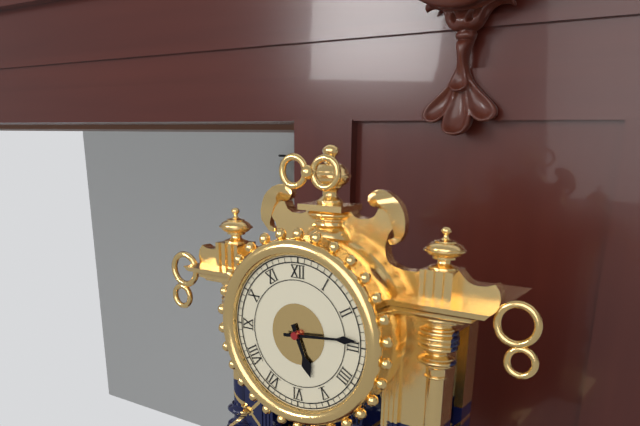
{"hour": 5, "minute": 14}
